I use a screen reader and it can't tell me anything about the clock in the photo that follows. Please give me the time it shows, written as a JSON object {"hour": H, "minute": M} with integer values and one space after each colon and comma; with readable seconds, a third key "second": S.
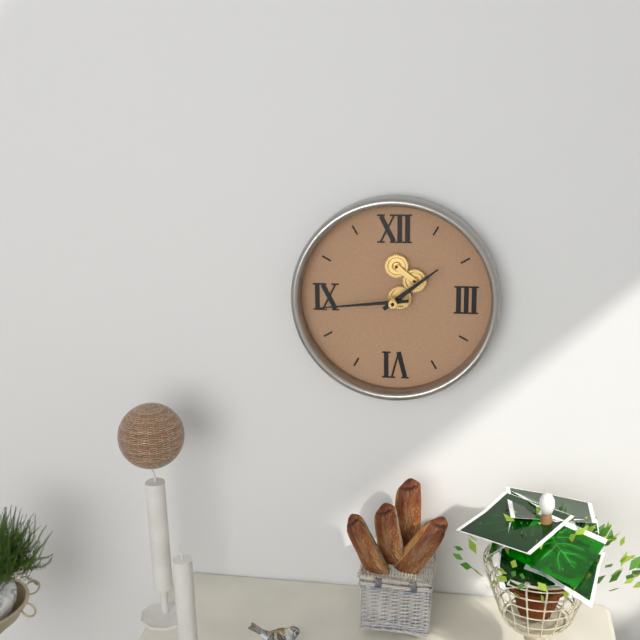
{"hour": 1, "minute": 44}
